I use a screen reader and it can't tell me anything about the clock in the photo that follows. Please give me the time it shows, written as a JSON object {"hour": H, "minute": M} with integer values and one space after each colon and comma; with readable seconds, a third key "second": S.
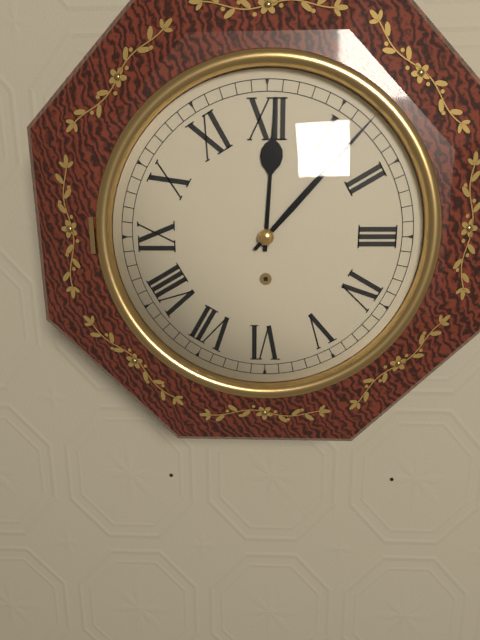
{"hour": 12, "minute": 7}
